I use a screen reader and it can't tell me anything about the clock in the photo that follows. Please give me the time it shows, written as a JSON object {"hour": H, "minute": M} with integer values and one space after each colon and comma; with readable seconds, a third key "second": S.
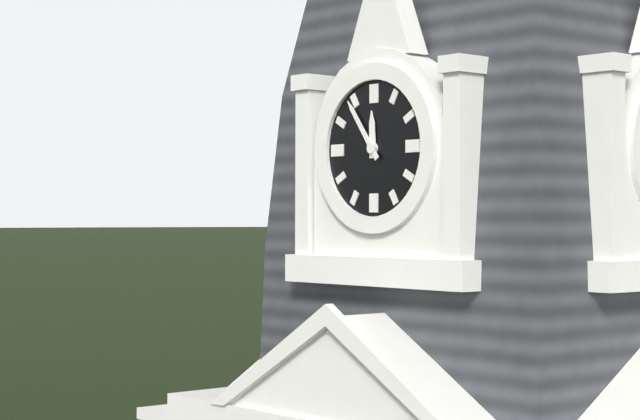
{"hour": 11, "minute": 54}
